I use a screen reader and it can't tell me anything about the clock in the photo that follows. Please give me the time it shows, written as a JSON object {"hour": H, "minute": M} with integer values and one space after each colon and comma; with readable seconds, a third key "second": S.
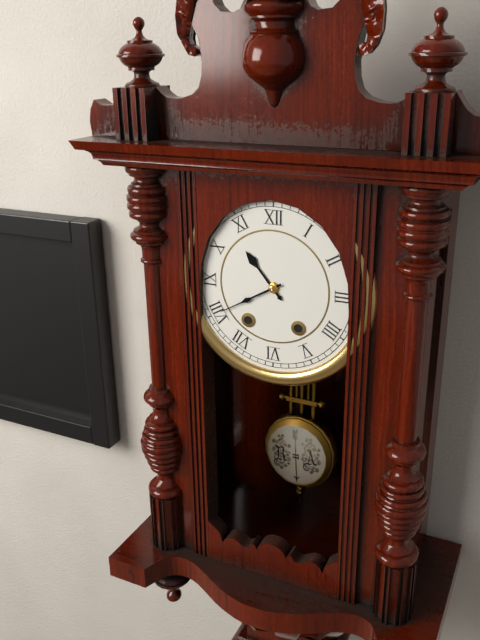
{"hour": 10, "minute": 40}
